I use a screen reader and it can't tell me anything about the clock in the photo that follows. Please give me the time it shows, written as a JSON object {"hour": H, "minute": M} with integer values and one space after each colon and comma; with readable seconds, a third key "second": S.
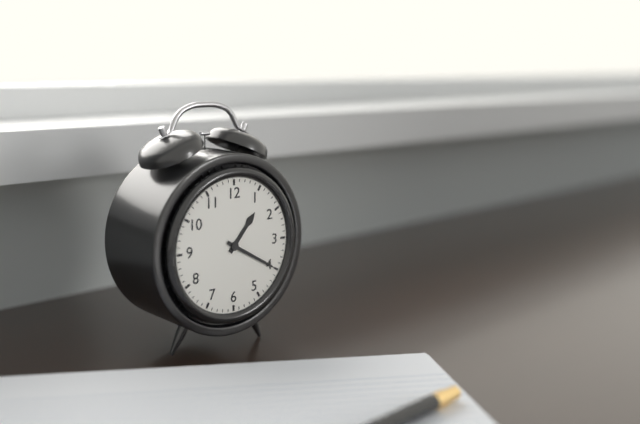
{"hour": 1, "minute": 20}
